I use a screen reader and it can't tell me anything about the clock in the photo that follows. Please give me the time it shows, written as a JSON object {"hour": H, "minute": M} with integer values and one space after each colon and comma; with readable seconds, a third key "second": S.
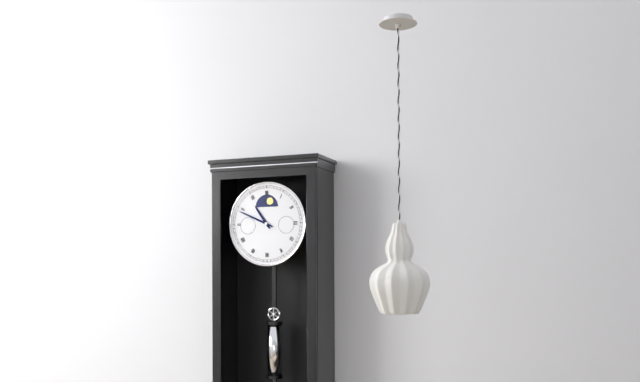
{"hour": 10, "minute": 49}
